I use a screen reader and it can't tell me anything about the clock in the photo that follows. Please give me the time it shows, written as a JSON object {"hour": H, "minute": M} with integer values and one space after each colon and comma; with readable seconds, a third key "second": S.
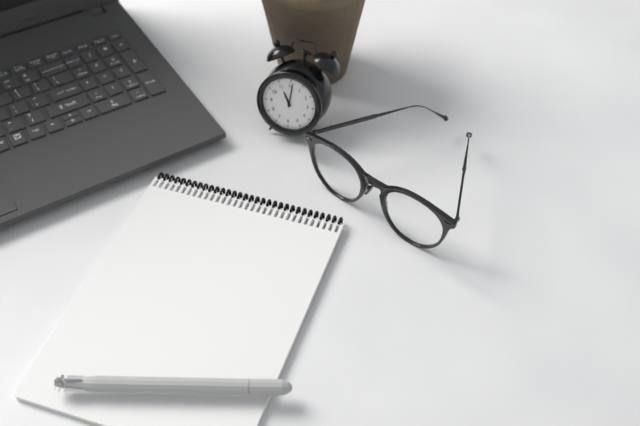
{"hour": 11, "minute": 1}
